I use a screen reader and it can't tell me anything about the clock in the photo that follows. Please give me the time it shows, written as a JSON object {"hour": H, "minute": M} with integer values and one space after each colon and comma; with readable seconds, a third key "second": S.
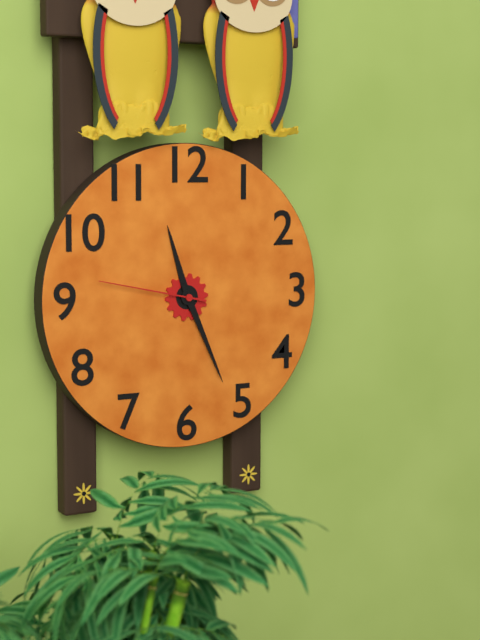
{"hour": 11, "minute": 26, "second": 47}
